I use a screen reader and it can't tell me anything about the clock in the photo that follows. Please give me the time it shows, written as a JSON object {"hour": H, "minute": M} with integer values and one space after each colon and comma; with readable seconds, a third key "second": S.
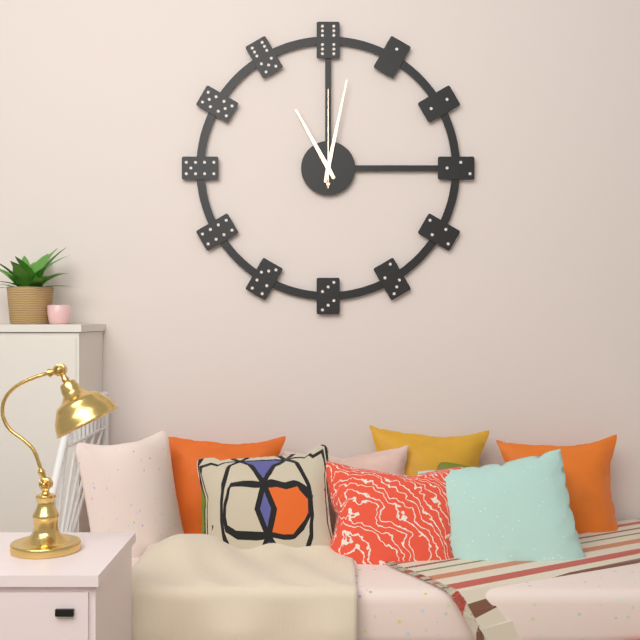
{"hour": 11, "minute": 2, "second": 0}
